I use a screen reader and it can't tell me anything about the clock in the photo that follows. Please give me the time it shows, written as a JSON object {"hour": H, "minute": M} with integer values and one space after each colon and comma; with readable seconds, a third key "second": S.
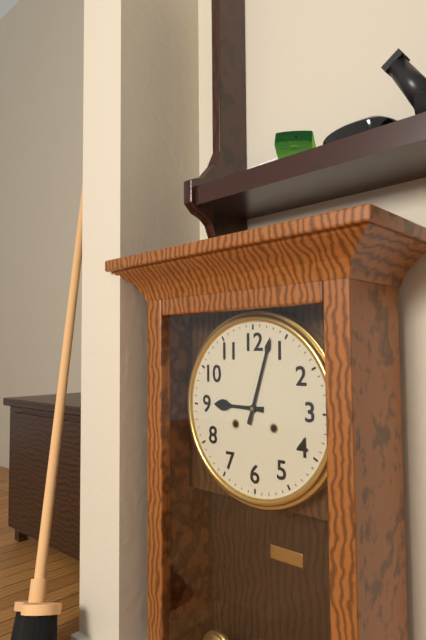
{"hour": 9, "minute": 3}
